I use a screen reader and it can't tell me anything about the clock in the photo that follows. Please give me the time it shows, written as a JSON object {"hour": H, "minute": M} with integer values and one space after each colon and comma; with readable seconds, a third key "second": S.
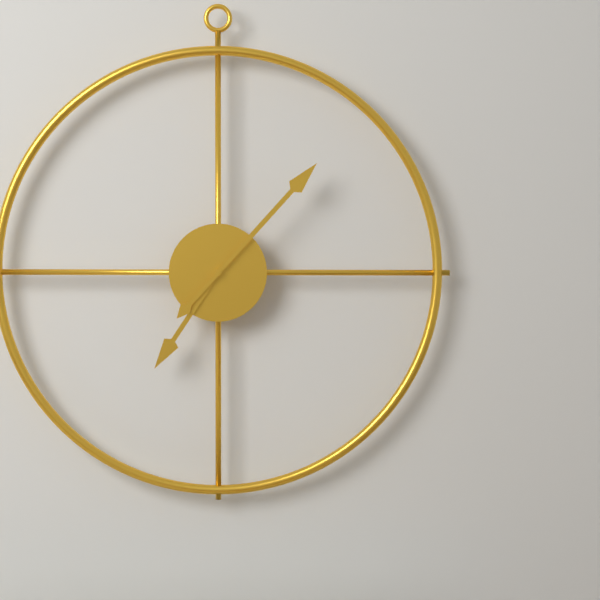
{"hour": 7, "minute": 7}
